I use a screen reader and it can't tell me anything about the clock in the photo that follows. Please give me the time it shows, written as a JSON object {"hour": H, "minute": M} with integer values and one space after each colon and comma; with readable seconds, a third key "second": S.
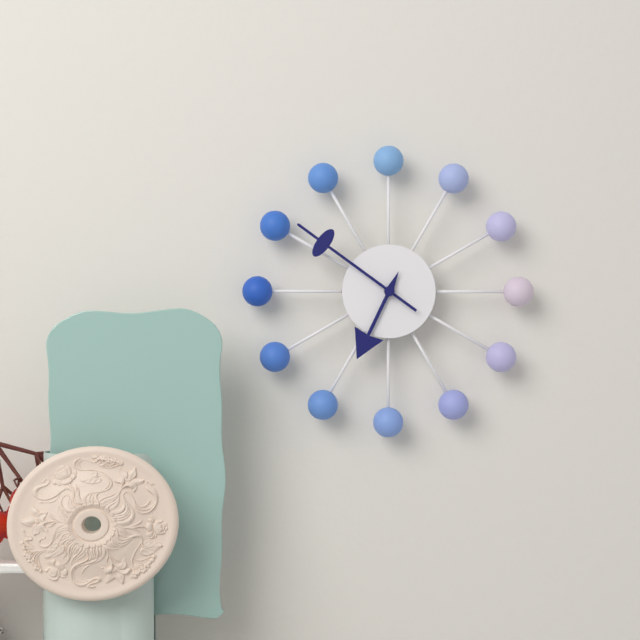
{"hour": 6, "minute": 51}
